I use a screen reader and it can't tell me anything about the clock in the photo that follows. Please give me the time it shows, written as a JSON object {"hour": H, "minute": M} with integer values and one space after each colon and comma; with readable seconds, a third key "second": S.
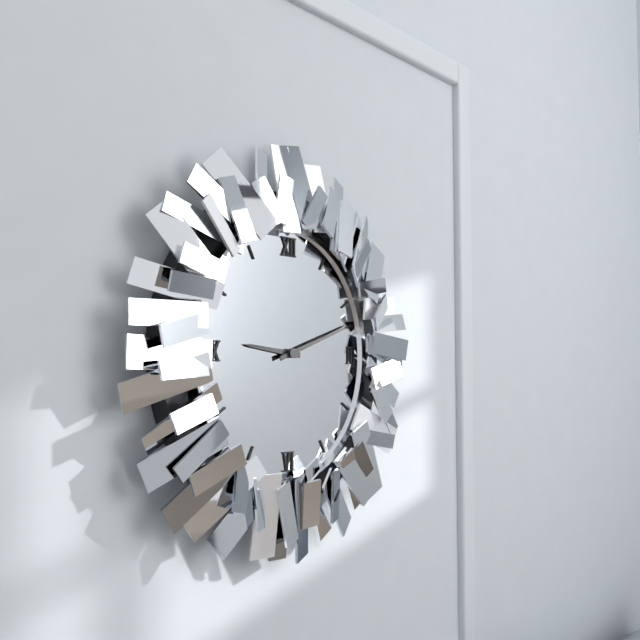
{"hour": 9, "minute": 12}
